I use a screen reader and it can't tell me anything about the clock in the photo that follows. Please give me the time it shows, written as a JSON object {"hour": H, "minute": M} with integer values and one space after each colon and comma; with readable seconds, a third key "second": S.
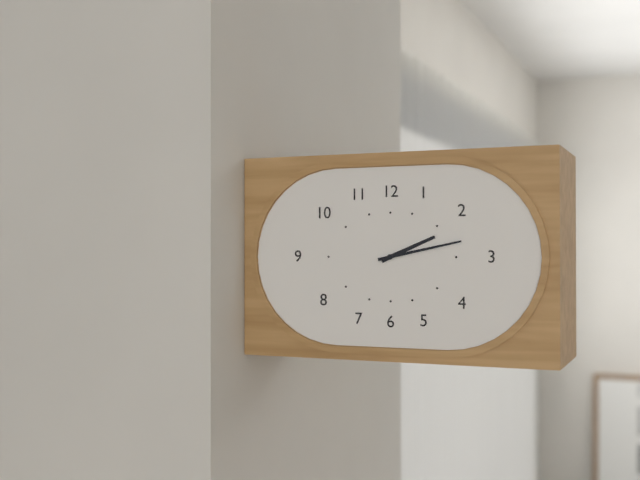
{"hour": 2, "minute": 13}
